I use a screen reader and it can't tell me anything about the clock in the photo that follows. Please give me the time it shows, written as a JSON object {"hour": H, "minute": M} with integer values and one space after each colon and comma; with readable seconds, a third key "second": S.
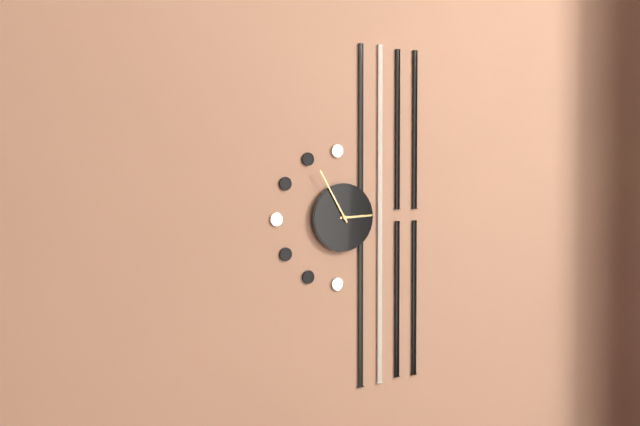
{"hour": 2, "minute": 55}
